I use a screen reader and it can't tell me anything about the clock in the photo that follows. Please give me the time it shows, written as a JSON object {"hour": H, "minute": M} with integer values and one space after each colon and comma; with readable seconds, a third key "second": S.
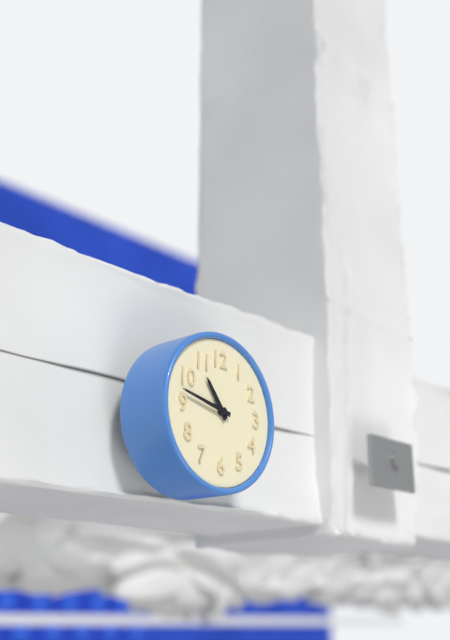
{"hour": 10, "minute": 47}
